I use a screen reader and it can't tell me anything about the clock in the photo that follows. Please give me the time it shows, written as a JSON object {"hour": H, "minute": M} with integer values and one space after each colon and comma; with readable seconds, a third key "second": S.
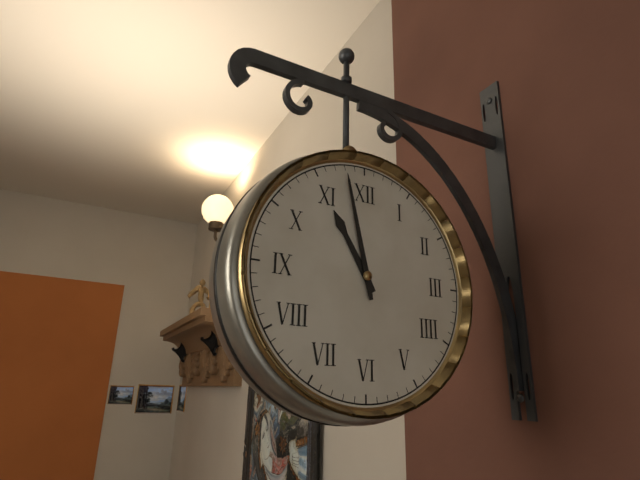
{"hour": 10, "minute": 58}
